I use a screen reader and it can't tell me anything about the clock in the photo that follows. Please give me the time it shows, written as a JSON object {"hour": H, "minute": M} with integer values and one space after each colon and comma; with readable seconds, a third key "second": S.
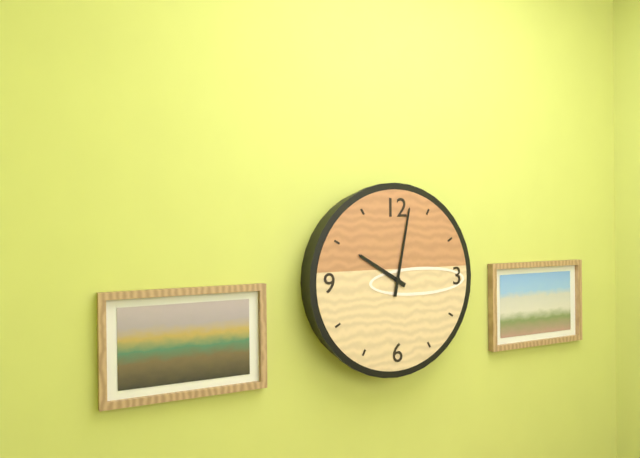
{"hour": 10, "minute": 2}
